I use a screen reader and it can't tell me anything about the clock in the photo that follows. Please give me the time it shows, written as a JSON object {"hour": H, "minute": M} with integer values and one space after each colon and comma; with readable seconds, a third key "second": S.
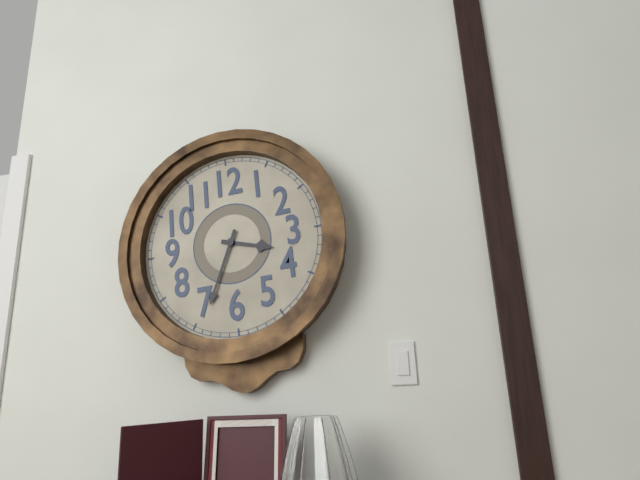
{"hour": 3, "minute": 34}
